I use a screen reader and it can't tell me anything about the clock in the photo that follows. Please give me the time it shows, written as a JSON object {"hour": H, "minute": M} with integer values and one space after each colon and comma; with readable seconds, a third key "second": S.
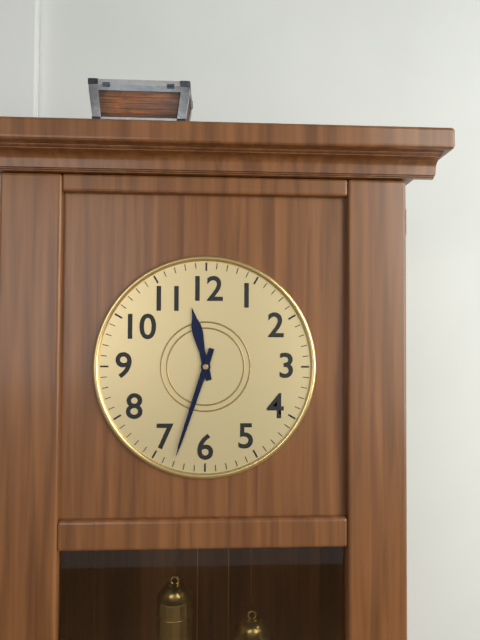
{"hour": 11, "minute": 33}
